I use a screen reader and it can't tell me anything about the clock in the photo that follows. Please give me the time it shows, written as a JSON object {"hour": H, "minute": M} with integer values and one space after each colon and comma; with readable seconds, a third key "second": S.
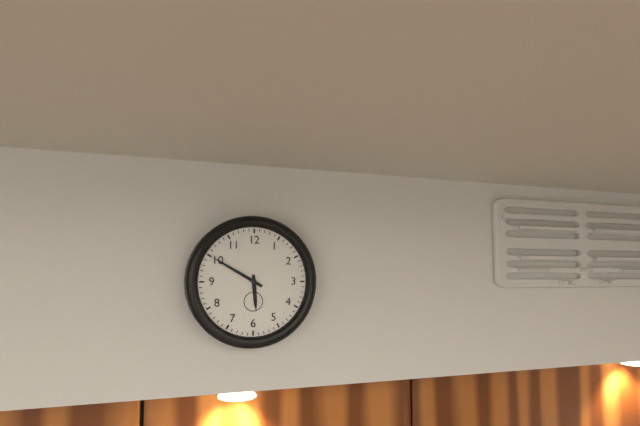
{"hour": 5, "minute": 50}
